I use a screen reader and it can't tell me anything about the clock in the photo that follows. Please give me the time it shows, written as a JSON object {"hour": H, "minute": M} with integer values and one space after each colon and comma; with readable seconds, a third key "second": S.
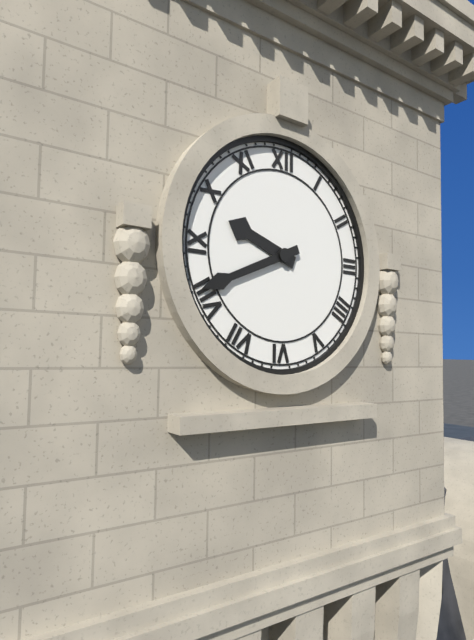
{"hour": 9, "minute": 41}
